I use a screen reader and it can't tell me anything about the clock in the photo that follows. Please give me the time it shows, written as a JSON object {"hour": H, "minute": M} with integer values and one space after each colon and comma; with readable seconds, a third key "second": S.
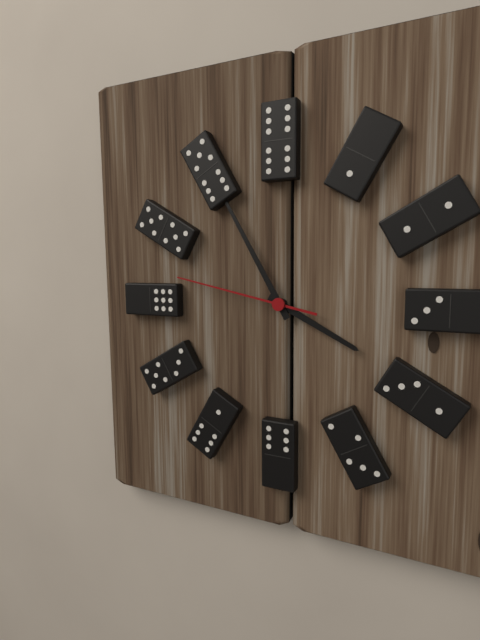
{"hour": 3, "minute": 55, "second": 47}
